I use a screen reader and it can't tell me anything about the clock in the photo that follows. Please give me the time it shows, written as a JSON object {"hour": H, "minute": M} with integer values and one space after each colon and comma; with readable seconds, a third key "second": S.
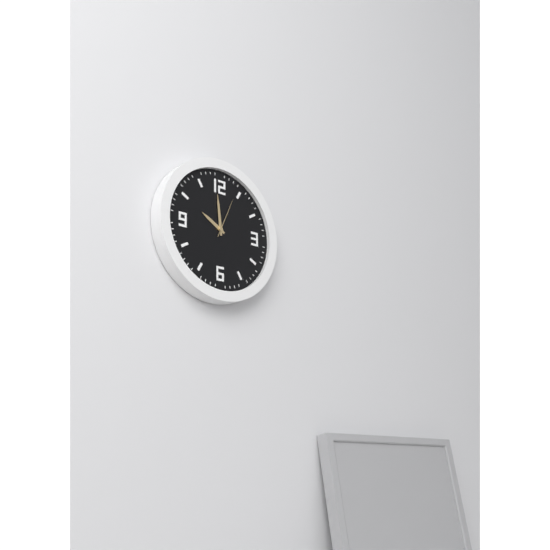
{"hour": 9, "minute": 59}
